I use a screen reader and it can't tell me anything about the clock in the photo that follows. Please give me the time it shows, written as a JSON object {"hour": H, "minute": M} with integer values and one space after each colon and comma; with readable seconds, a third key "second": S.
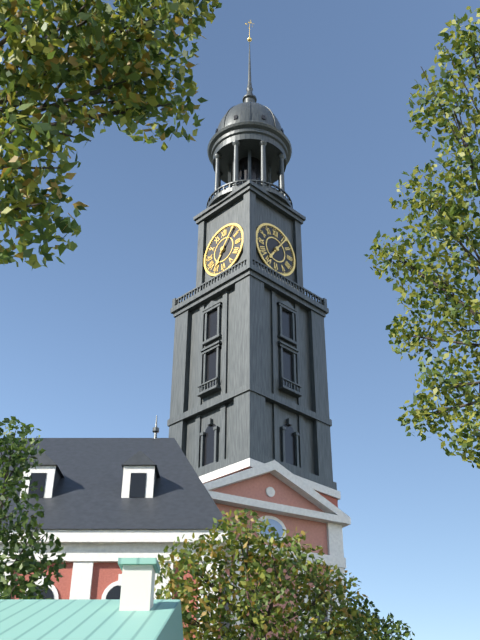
{"hour": 7, "minute": 6}
